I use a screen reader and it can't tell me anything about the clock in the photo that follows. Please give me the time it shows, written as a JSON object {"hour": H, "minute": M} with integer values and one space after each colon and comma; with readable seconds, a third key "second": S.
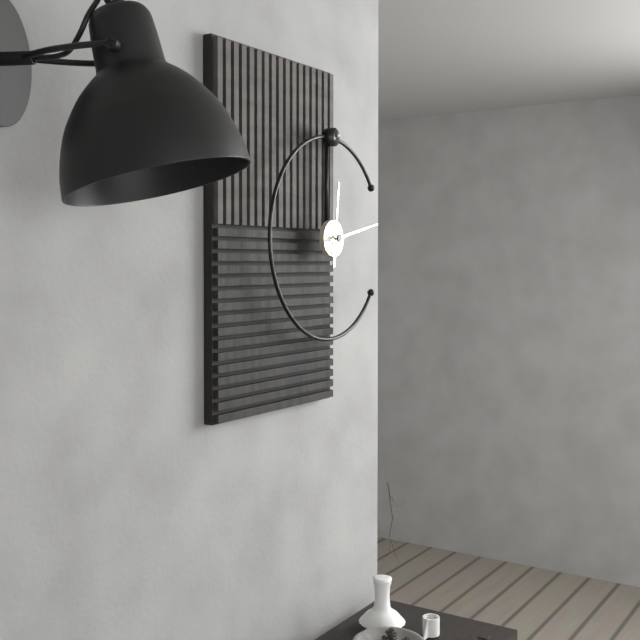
{"hour": 12, "minute": 13}
